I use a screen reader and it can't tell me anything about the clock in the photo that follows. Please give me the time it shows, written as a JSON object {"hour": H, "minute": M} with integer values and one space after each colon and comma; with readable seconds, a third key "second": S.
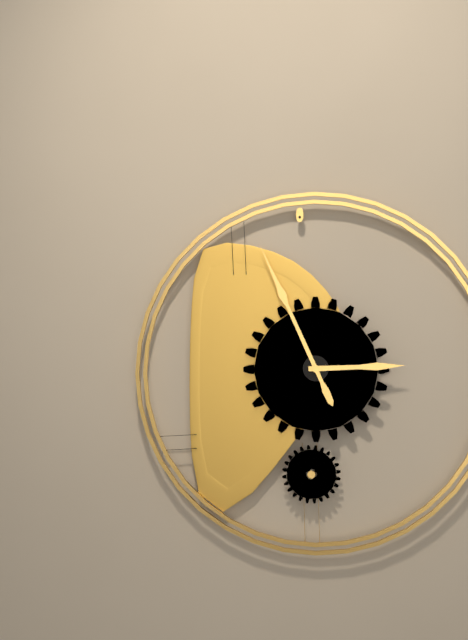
{"hour": 2, "minute": 56}
